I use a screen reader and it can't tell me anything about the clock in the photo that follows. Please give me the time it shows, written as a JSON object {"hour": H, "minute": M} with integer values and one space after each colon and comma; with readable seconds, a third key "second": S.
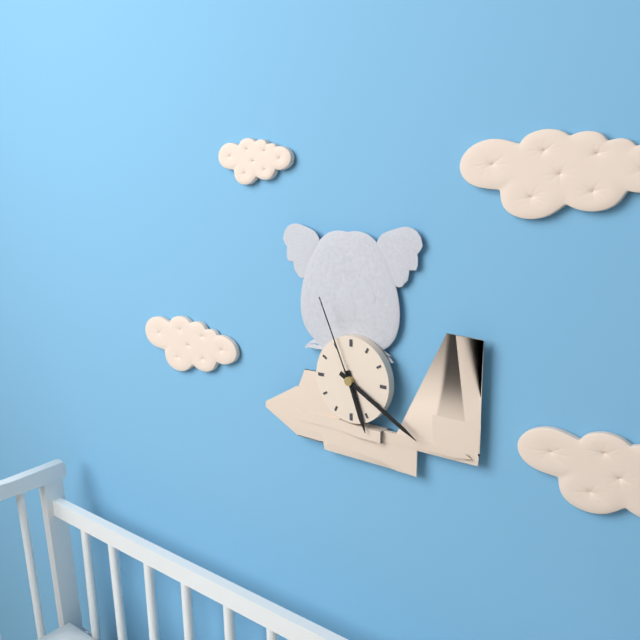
{"hour": 5, "minute": 20, "second": 56}
